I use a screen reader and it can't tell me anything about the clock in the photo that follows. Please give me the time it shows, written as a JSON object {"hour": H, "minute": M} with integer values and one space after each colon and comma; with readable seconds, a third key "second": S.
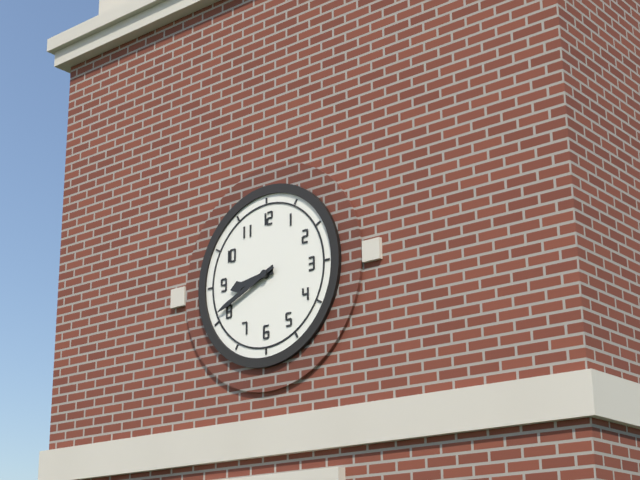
{"hour": 8, "minute": 41}
